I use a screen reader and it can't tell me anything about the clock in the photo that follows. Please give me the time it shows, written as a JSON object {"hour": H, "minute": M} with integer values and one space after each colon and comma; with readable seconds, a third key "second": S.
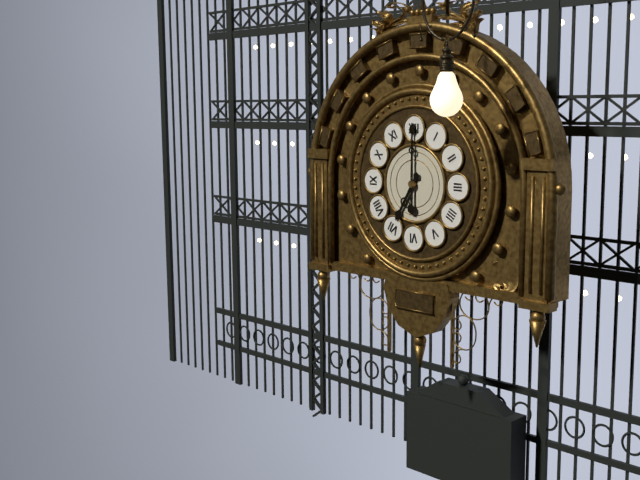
{"hour": 7, "minute": 0}
